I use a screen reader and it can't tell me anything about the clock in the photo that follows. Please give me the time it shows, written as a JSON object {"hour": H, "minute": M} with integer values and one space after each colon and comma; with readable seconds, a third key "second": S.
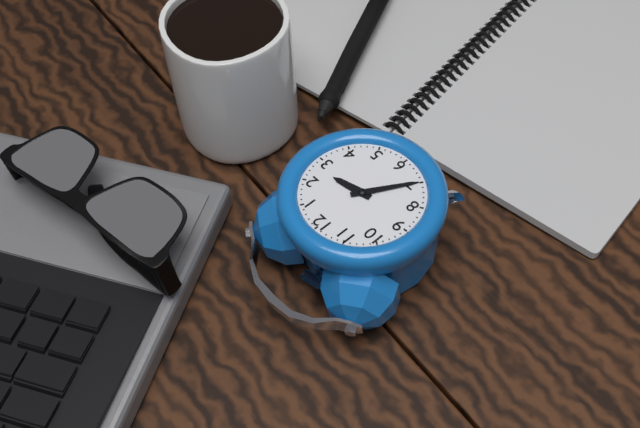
{"hour": 2, "minute": 35}
